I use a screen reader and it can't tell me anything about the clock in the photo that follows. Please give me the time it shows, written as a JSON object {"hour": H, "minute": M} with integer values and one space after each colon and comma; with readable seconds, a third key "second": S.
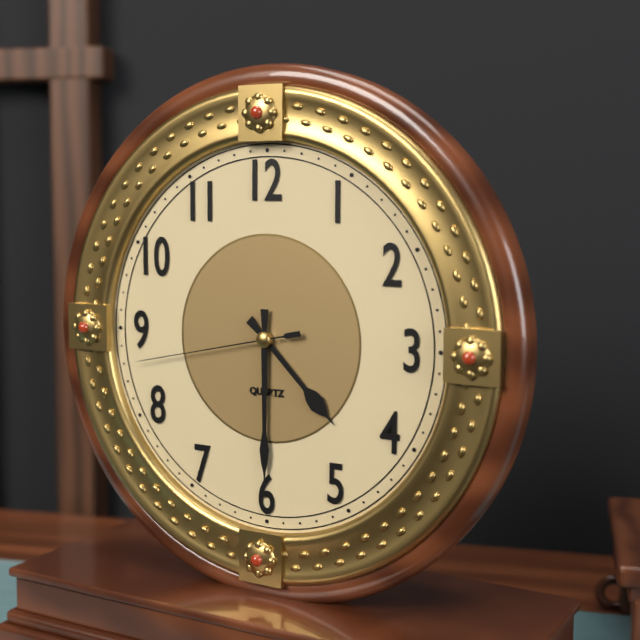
{"hour": 4, "minute": 30, "second": 43}
